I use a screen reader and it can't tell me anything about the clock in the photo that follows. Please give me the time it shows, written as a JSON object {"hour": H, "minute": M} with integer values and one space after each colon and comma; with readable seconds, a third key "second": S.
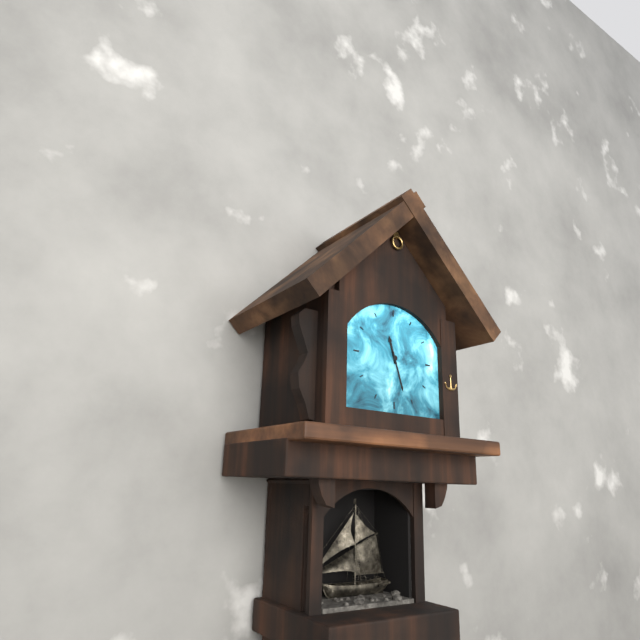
{"hour": 11, "minute": 27}
